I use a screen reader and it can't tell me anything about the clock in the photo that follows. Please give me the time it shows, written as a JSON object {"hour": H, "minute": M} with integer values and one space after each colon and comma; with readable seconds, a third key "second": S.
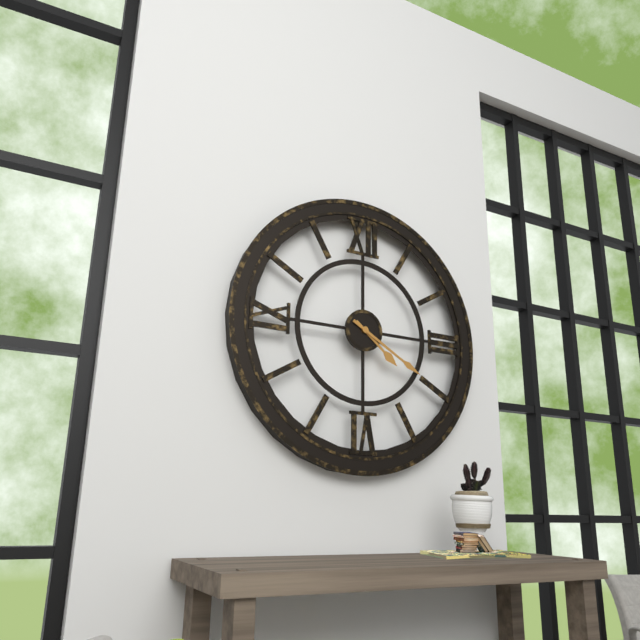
{"hour": 4, "minute": 20}
